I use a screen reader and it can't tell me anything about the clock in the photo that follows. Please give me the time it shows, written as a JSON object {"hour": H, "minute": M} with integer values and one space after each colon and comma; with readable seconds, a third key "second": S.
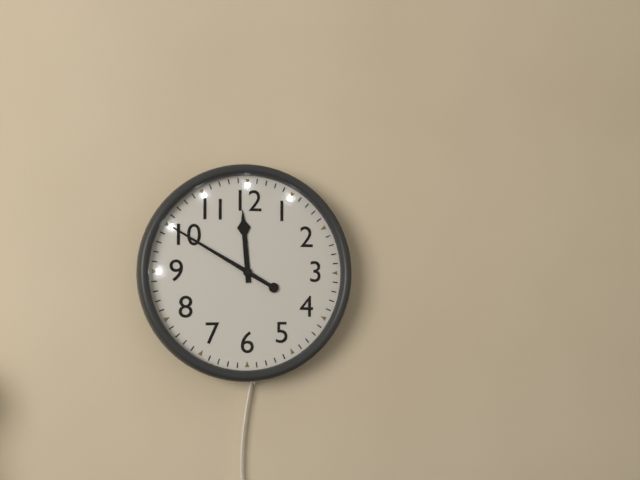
{"hour": 11, "minute": 50}
